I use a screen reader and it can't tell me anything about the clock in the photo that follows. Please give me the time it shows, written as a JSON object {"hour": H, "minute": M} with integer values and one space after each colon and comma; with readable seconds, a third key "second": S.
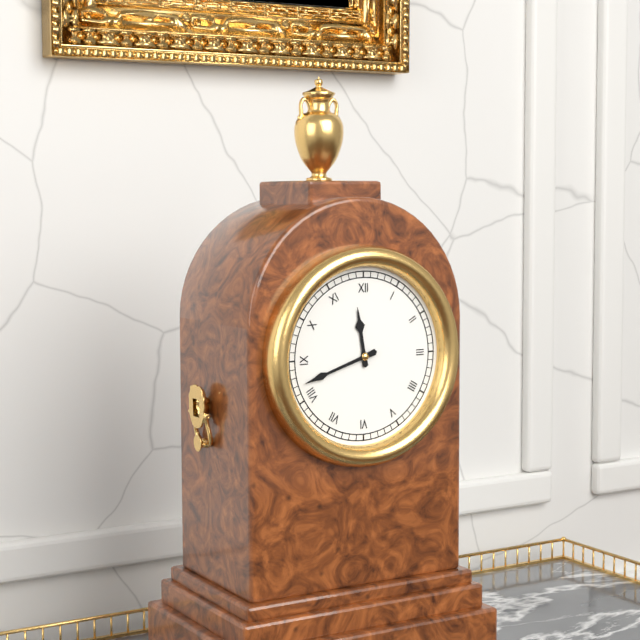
{"hour": 11, "minute": 42}
